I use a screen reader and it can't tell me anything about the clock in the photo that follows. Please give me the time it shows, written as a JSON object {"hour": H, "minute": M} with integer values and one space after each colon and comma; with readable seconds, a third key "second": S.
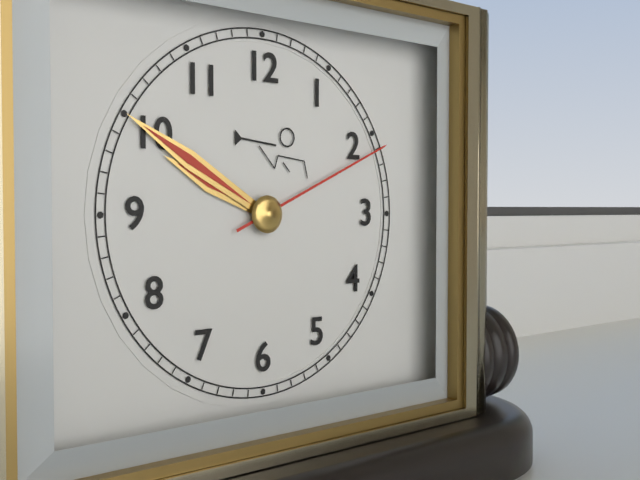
{"hour": 9, "minute": 50, "second": 11}
